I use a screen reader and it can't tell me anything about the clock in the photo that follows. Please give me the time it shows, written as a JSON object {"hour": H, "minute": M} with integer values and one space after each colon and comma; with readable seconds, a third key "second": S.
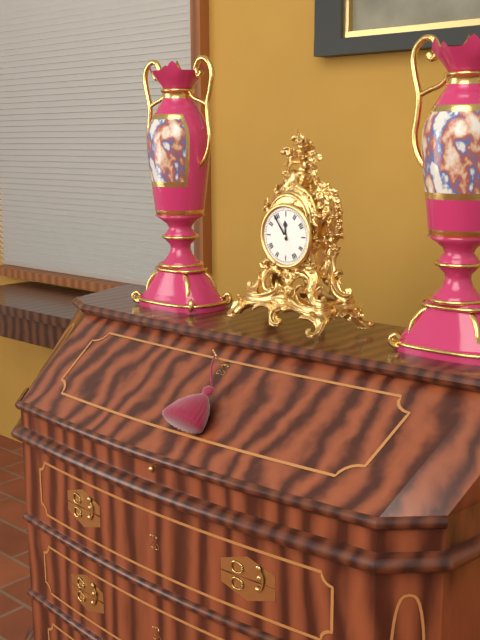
{"hour": 11, "minute": 54}
